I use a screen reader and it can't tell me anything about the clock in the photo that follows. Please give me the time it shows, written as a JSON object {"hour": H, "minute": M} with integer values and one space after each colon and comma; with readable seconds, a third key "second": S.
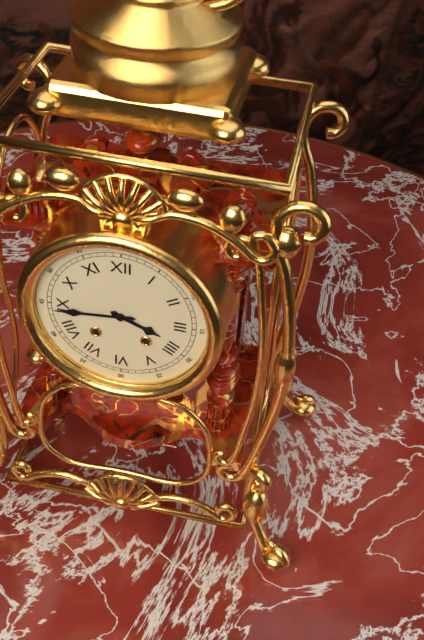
{"hour": 3, "minute": 44}
